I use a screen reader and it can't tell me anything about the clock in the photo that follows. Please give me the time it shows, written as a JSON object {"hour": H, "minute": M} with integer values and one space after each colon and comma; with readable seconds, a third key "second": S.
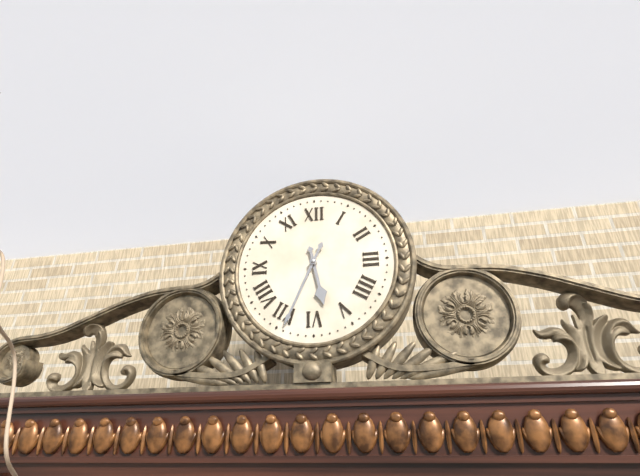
{"hour": 5, "minute": 34}
